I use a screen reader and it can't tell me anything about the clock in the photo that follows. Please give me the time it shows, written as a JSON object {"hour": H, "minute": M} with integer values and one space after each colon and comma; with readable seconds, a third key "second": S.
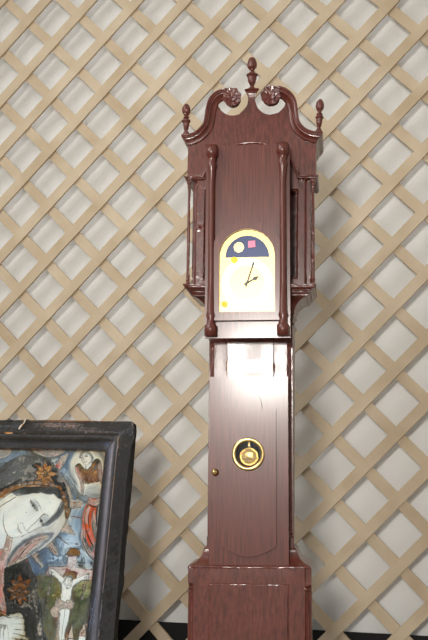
{"hour": 2, "minute": 3}
